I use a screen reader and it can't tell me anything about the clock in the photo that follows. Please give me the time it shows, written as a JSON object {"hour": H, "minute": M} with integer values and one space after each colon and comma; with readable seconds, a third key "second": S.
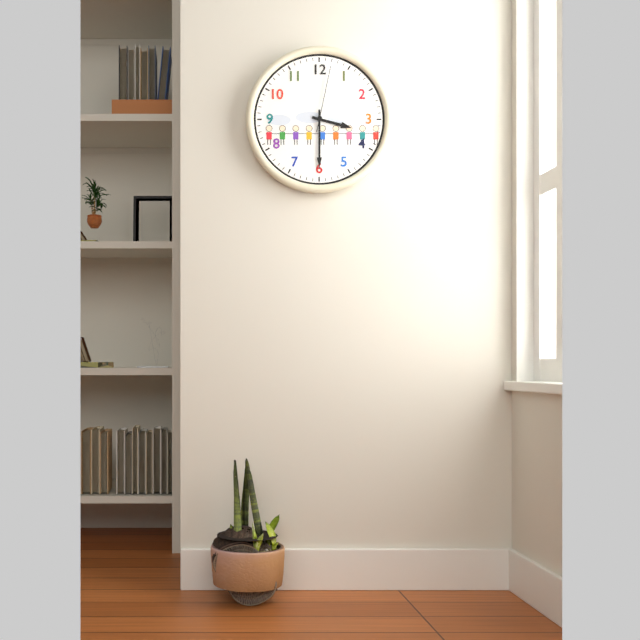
{"hour": 3, "minute": 30, "second": 2}
